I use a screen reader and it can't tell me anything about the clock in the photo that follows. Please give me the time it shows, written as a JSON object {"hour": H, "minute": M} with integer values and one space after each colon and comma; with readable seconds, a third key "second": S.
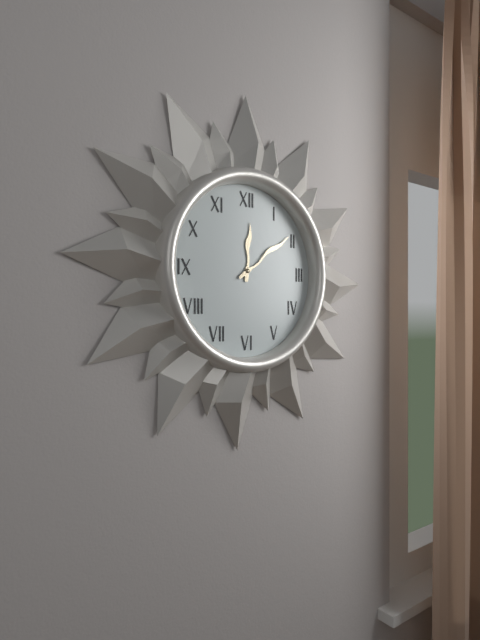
{"hour": 12, "minute": 9}
